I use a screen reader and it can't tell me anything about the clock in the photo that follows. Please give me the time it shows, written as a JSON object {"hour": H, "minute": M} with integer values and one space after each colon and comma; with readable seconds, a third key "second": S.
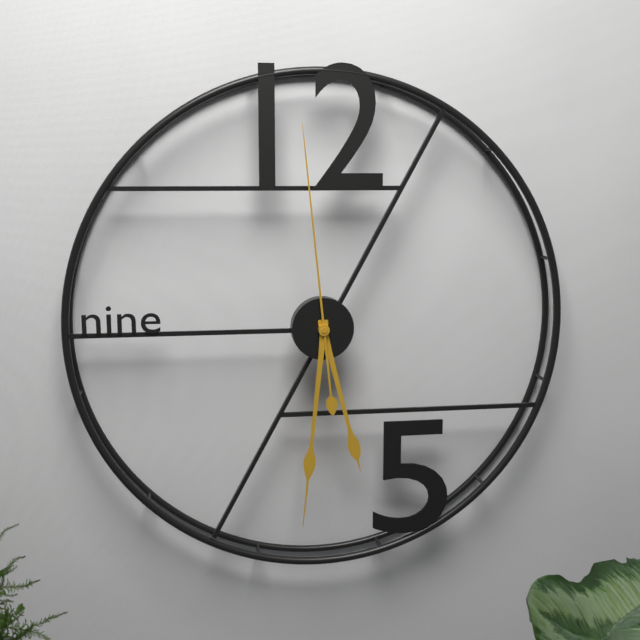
{"hour": 5, "minute": 31, "second": 59}
